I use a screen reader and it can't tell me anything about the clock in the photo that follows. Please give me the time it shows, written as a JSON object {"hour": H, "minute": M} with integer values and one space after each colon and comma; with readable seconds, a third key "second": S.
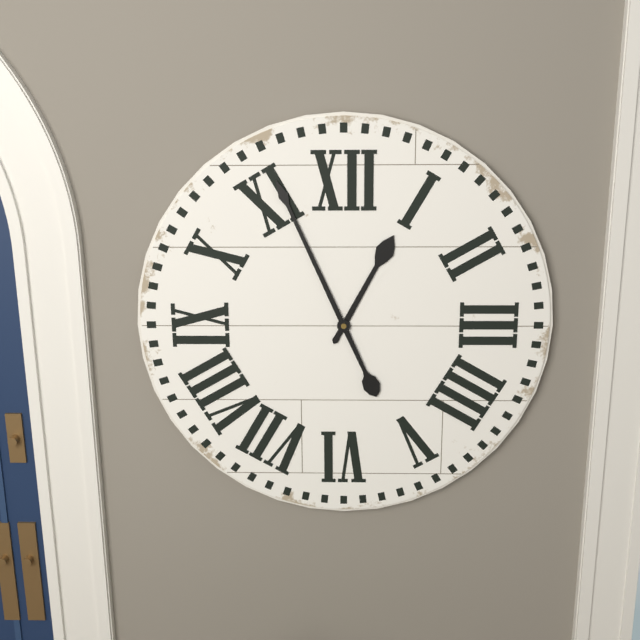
{"hour": 12, "minute": 56}
